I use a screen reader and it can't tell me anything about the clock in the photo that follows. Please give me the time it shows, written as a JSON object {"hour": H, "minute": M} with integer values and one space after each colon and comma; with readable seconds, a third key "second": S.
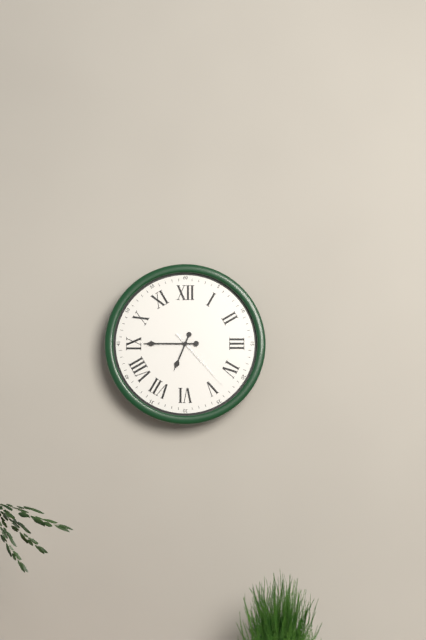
{"hour": 6, "minute": 45, "second": 23}
